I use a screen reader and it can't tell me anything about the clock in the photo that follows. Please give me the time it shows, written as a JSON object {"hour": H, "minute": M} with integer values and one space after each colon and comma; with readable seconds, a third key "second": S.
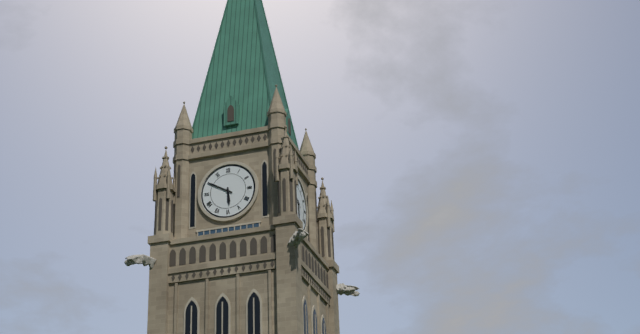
{"hour": 5, "minute": 50}
